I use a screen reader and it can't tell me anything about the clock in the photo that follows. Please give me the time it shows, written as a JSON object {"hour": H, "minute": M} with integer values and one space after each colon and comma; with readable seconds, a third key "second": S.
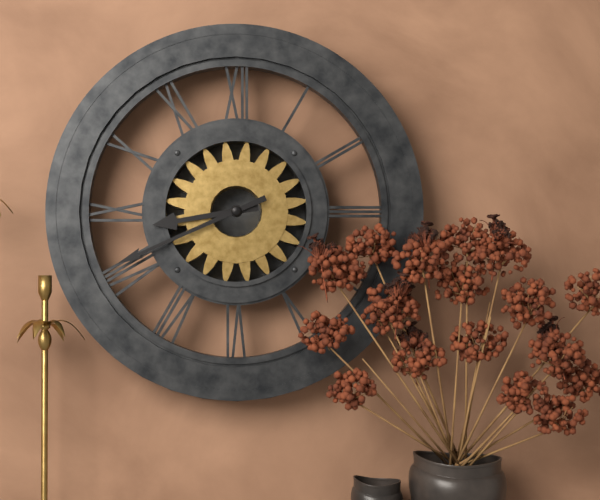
{"hour": 8, "minute": 41}
